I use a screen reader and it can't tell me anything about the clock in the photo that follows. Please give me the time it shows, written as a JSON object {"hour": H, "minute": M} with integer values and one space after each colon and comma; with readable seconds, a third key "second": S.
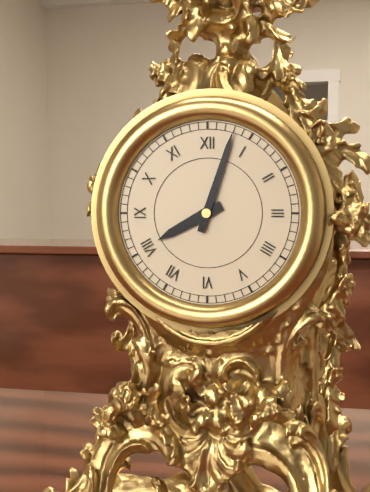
{"hour": 8, "minute": 3}
